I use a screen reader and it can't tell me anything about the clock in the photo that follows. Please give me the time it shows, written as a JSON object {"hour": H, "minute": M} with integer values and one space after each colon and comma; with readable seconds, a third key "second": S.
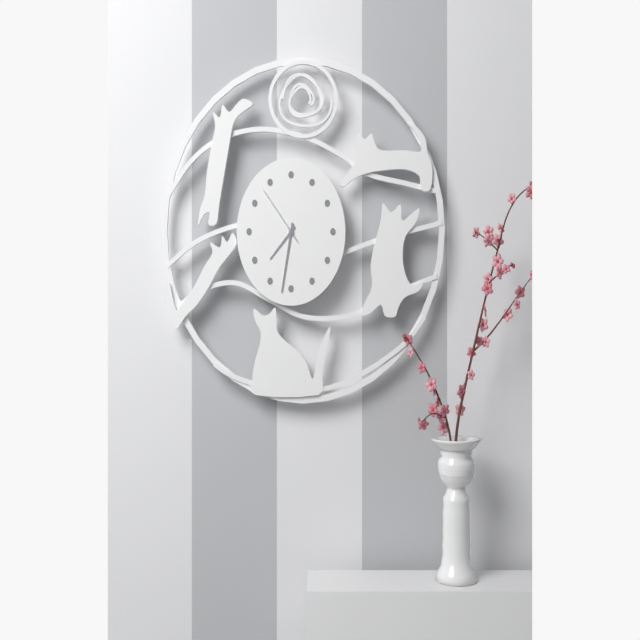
{"hour": 7, "minute": 32, "second": 53}
